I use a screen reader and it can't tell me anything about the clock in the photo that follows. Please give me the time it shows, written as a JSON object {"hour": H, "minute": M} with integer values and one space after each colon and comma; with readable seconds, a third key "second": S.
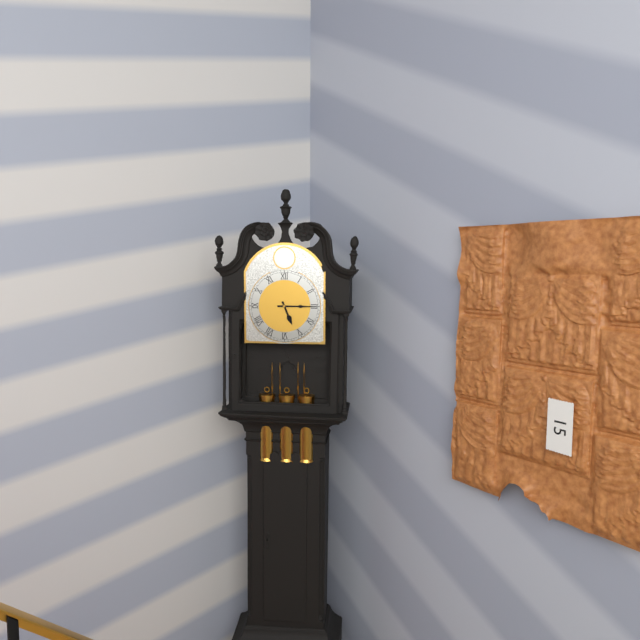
{"hour": 5, "minute": 15}
